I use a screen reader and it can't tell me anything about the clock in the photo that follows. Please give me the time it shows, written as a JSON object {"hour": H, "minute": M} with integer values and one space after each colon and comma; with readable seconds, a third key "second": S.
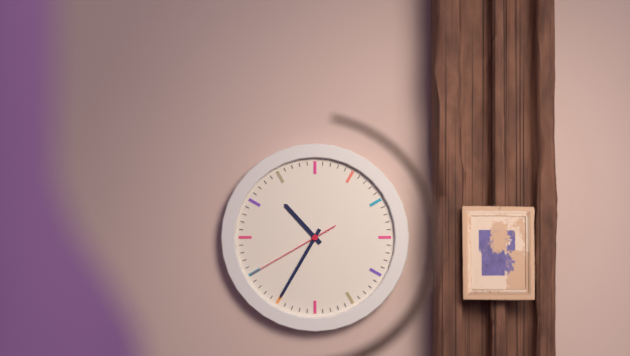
{"hour": 10, "minute": 35, "second": 40}
